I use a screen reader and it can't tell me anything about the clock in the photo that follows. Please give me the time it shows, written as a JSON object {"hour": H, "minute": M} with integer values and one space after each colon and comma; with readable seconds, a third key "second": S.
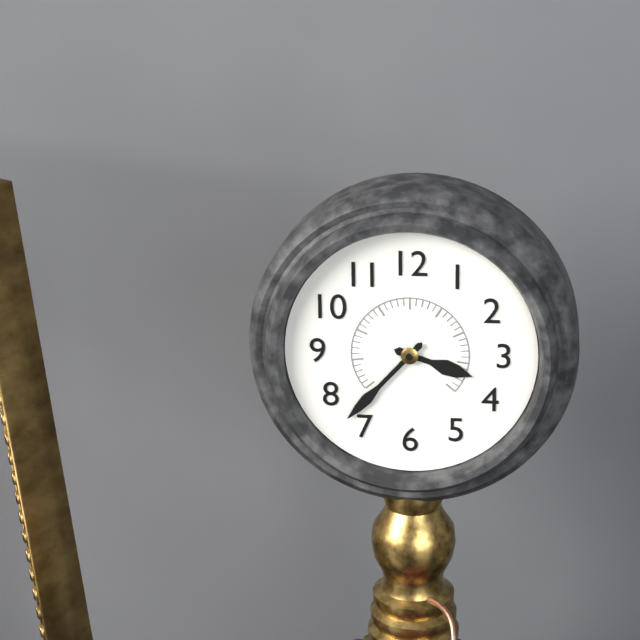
{"hour": 3, "minute": 37}
